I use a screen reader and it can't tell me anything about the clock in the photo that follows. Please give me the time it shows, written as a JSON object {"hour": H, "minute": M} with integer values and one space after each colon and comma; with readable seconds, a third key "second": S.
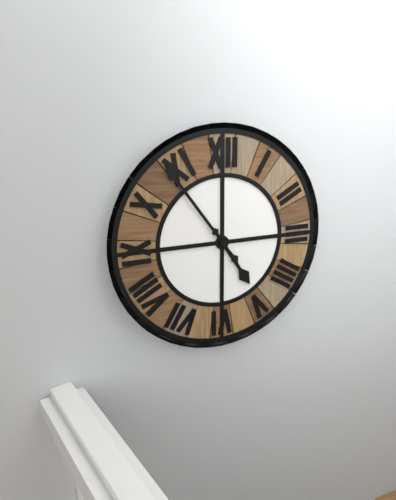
{"hour": 4, "minute": 54}
